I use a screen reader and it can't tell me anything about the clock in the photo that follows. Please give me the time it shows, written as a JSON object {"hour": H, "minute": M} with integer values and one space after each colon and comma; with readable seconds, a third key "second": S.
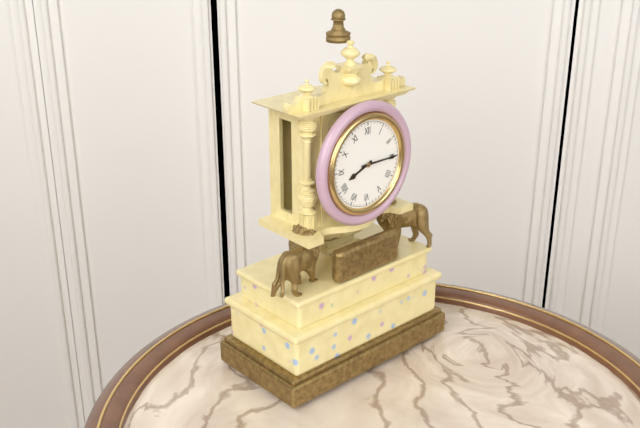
{"hour": 8, "minute": 15}
